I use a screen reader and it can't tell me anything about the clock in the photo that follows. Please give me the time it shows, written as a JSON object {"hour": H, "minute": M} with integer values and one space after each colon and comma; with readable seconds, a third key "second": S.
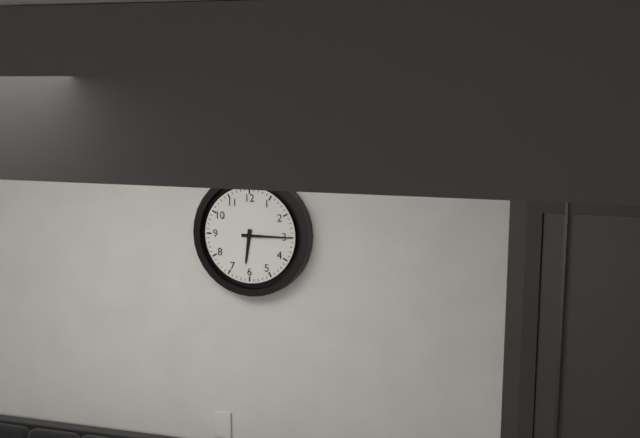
{"hour": 6, "minute": 15}
